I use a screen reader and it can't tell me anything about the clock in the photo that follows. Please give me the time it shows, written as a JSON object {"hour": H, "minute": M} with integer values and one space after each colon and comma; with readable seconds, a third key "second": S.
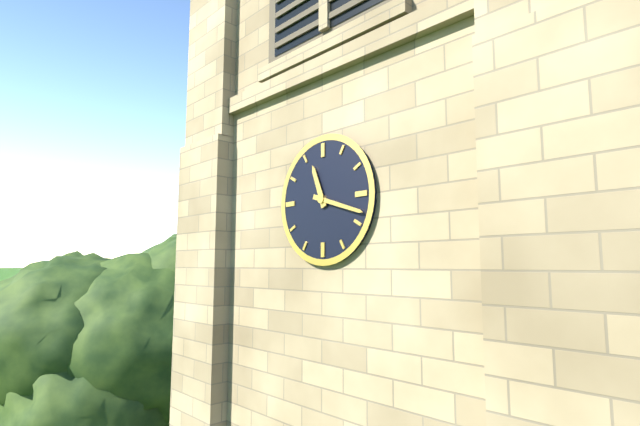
{"hour": 11, "minute": 18}
